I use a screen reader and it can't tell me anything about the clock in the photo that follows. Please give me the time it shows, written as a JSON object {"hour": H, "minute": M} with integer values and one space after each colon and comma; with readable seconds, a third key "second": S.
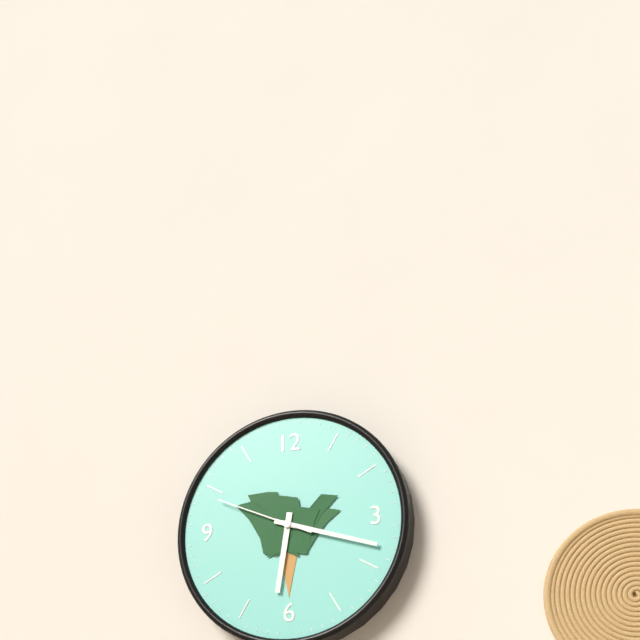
{"hour": 6, "minute": 18, "second": 49}
